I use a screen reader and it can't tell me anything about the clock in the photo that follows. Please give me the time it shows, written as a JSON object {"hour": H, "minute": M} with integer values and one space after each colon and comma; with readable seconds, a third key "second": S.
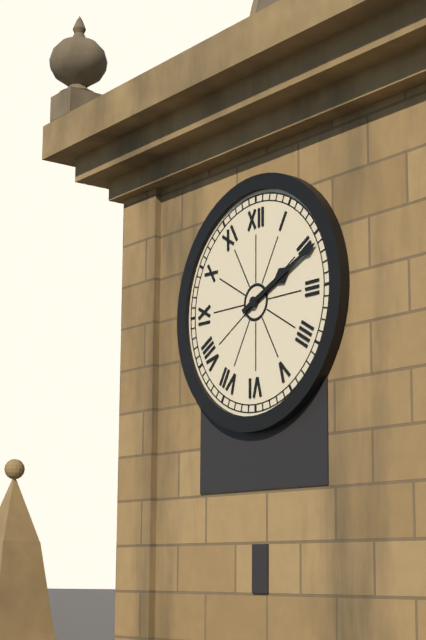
{"hour": 2, "minute": 11}
